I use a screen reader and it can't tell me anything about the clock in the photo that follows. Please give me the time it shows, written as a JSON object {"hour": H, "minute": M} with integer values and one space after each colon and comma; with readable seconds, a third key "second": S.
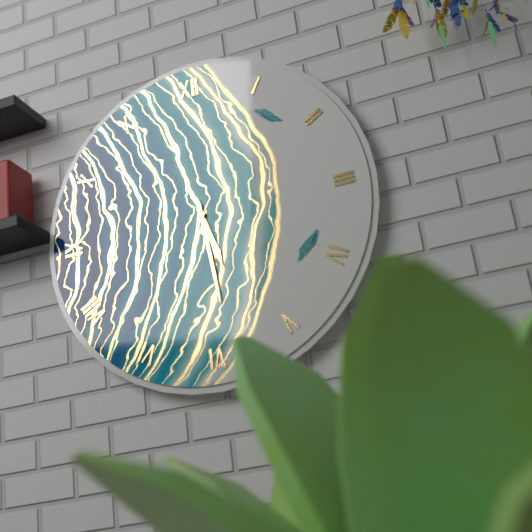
{"hour": 5, "minute": 29}
